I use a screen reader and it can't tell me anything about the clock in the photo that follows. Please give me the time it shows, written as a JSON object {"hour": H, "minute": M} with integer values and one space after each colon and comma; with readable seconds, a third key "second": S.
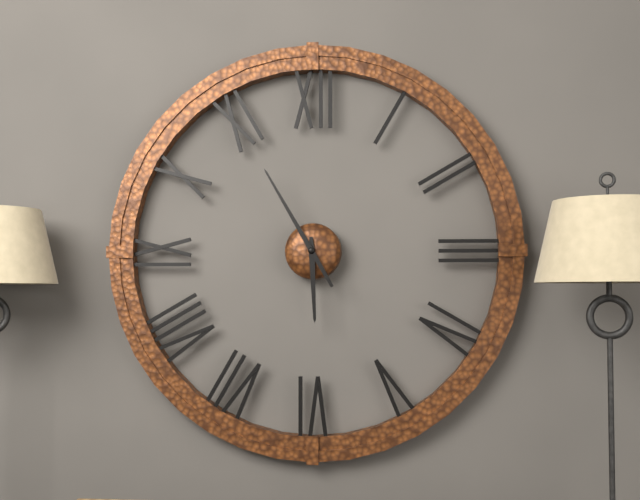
{"hour": 5, "minute": 55}
